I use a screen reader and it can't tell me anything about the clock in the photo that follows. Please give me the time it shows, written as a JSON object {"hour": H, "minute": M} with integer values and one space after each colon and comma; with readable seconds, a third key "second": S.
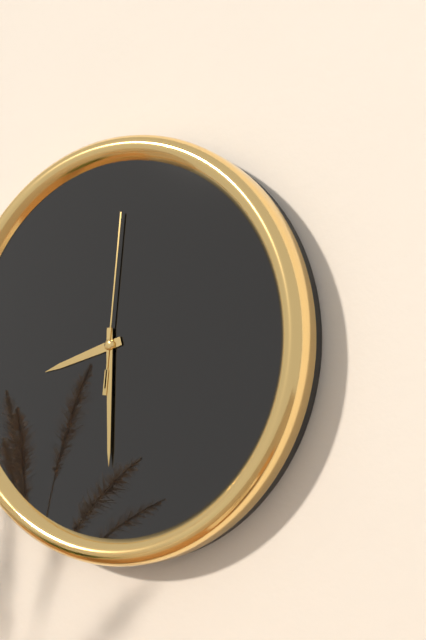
{"hour": 8, "minute": 30, "second": 1}
